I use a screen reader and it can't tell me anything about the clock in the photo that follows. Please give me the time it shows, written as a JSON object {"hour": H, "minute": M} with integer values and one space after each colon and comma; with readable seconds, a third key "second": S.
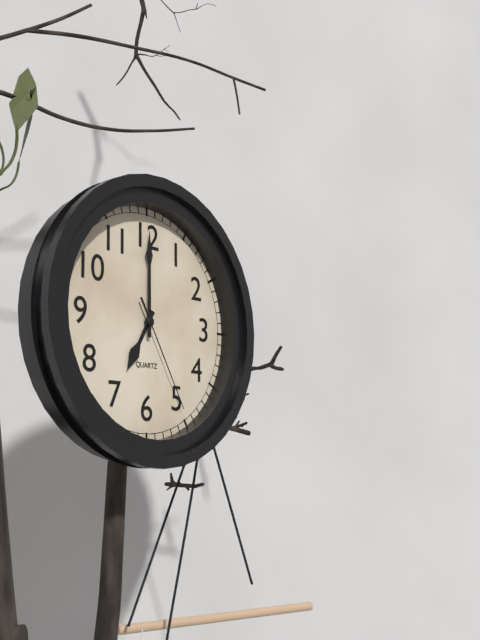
{"hour": 7, "minute": 0, "second": 25}
